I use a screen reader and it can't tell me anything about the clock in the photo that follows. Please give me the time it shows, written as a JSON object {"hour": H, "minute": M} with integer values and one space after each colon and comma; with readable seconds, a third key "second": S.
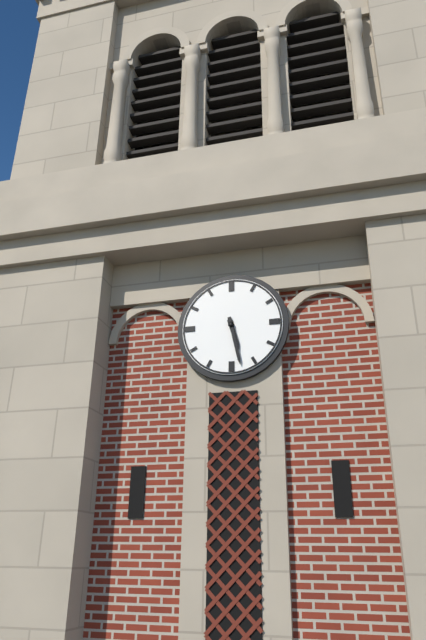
{"hour": 5, "minute": 28}
